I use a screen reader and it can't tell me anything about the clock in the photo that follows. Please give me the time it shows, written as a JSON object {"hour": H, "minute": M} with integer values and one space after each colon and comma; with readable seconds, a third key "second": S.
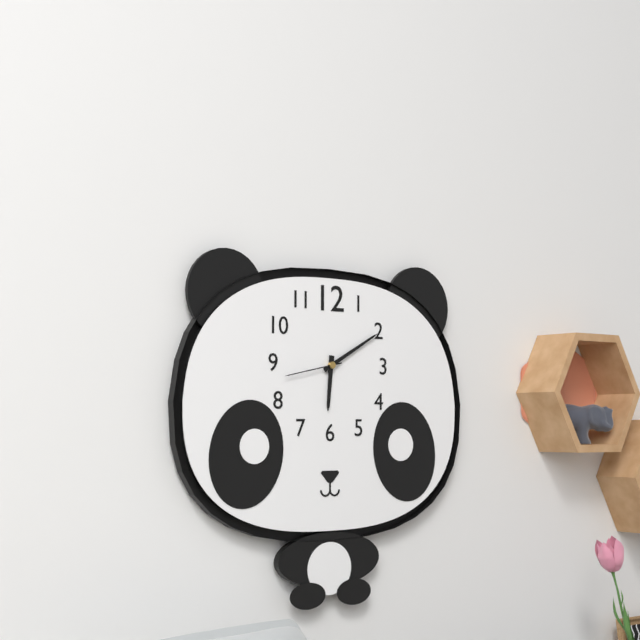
{"hour": 6, "minute": 10, "second": 43}
